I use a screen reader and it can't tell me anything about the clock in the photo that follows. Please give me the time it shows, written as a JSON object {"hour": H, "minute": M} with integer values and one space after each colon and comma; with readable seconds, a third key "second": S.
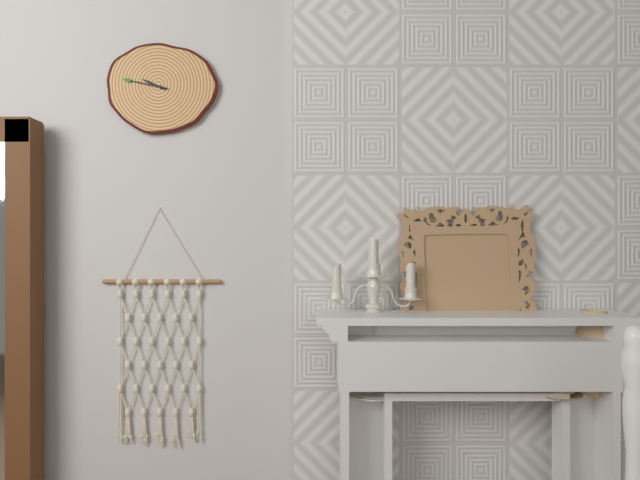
{"hour": 9, "minute": 47}
